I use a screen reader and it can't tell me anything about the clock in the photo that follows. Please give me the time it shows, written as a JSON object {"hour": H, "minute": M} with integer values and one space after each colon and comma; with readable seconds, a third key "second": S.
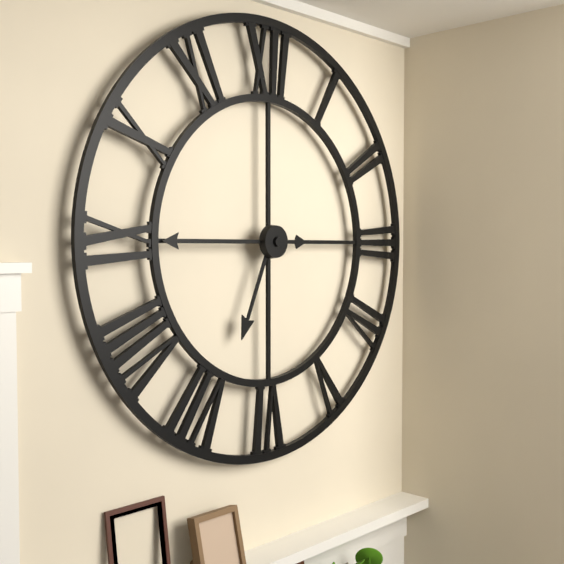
{"hour": 6, "minute": 45}
